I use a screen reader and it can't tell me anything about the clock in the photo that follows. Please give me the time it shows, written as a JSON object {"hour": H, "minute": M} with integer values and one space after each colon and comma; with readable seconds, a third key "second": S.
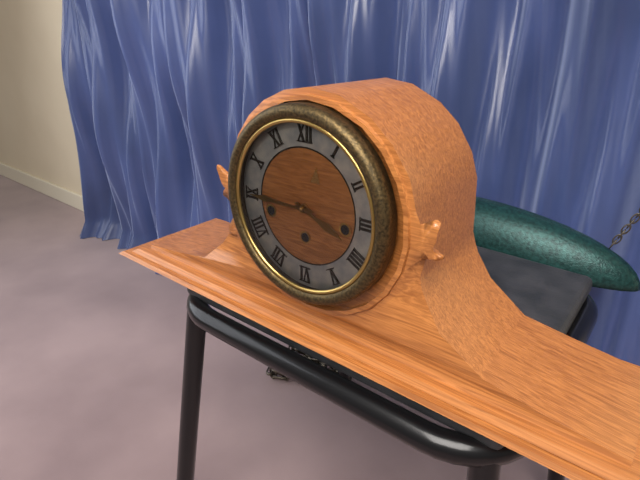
{"hour": 3, "minute": 45}
